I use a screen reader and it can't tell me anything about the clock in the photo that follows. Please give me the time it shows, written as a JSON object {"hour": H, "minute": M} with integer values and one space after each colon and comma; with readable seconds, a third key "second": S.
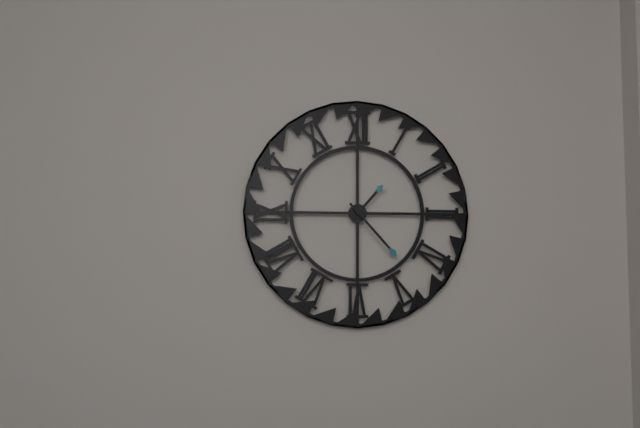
{"hour": 1, "minute": 23}
